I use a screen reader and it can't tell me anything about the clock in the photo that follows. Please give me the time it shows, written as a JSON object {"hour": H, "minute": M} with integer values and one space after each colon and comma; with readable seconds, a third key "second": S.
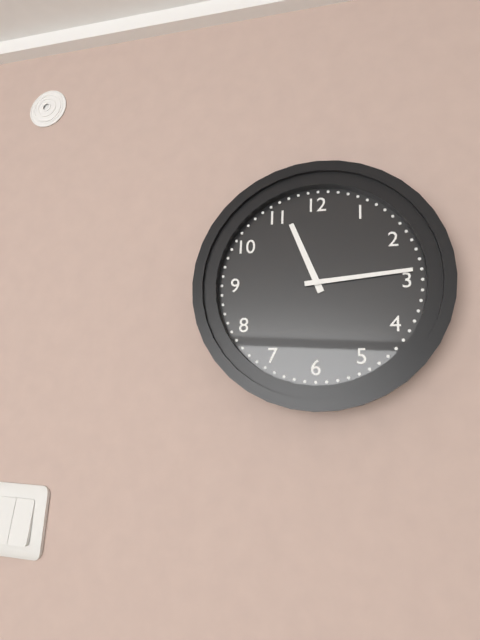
{"hour": 11, "minute": 14}
